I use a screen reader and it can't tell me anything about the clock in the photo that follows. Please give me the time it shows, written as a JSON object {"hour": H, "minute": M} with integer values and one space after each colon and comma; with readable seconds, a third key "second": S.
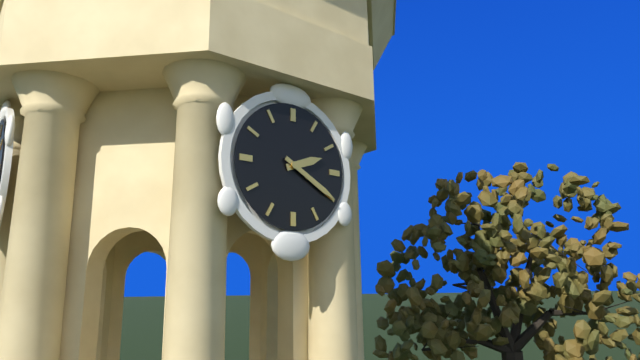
{"hour": 2, "minute": 20}
